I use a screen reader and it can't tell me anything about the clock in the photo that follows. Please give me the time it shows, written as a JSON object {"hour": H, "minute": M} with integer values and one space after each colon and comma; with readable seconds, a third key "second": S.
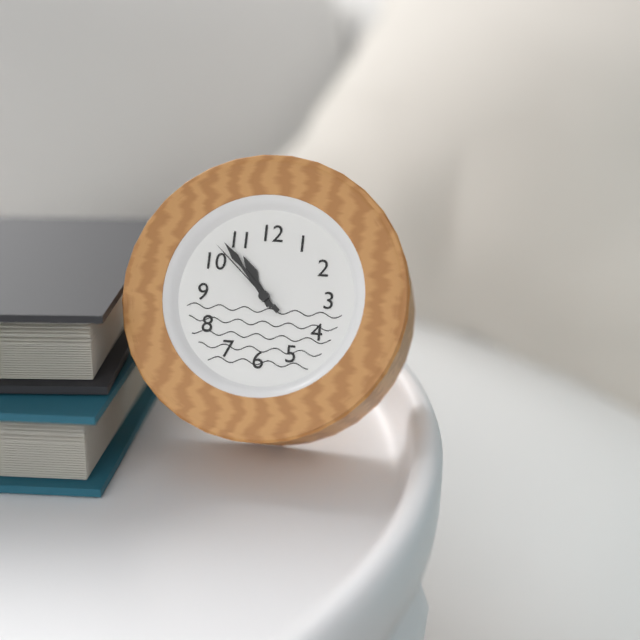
{"hour": 10, "minute": 53, "second": 52}
